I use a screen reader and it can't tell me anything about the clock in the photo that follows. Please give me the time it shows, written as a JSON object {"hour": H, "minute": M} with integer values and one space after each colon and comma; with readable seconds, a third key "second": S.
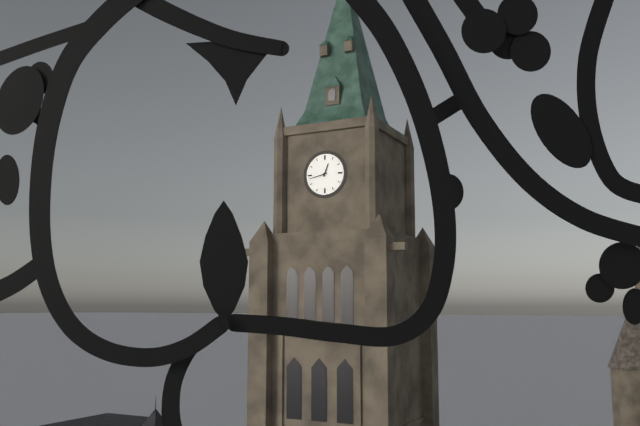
{"hour": 12, "minute": 43}
